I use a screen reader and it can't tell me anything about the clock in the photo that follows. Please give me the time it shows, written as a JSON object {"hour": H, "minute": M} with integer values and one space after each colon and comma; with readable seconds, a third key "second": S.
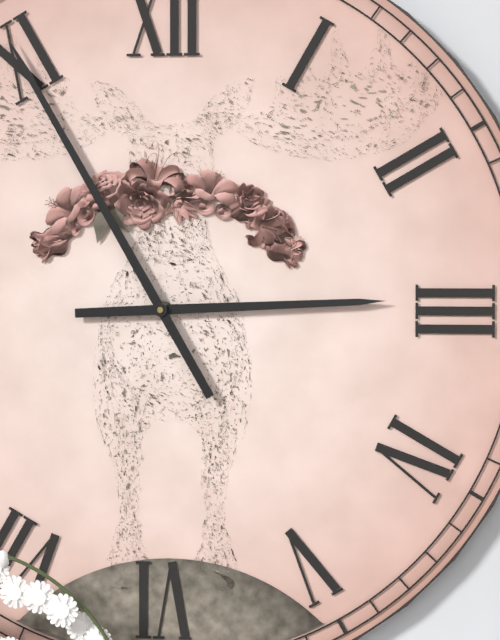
{"hour": 2, "minute": 55}
